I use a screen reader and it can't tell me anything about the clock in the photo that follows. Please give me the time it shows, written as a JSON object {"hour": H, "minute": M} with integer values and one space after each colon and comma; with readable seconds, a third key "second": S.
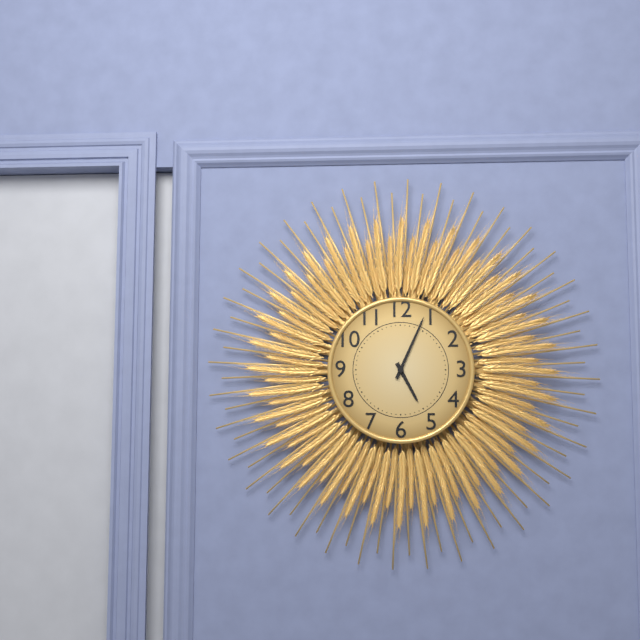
{"hour": 5, "minute": 4}
